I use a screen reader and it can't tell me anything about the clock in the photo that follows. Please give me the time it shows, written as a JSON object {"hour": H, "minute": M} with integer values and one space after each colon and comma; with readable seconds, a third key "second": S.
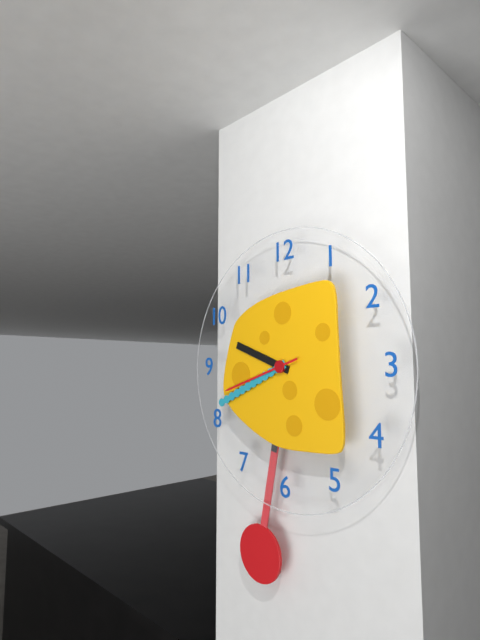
{"hour": 9, "minute": 41, "second": 42}
